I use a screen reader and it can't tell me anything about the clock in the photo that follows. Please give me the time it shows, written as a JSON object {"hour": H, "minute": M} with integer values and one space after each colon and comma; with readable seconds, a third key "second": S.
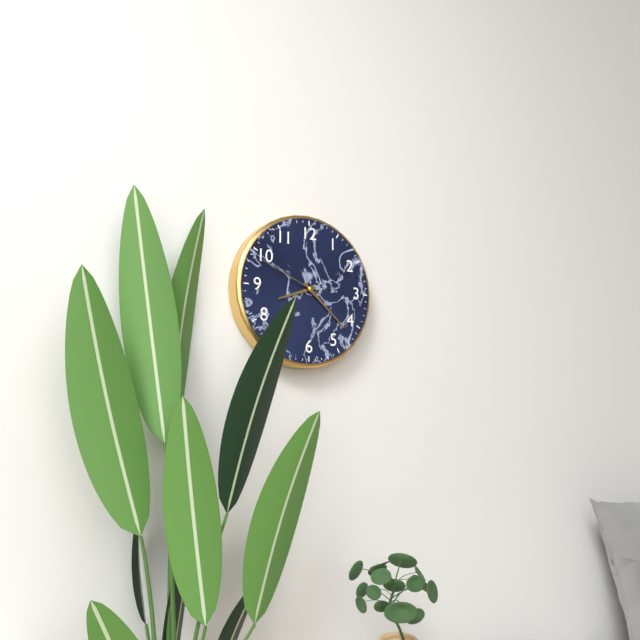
{"hour": 8, "minute": 22, "second": 49}
